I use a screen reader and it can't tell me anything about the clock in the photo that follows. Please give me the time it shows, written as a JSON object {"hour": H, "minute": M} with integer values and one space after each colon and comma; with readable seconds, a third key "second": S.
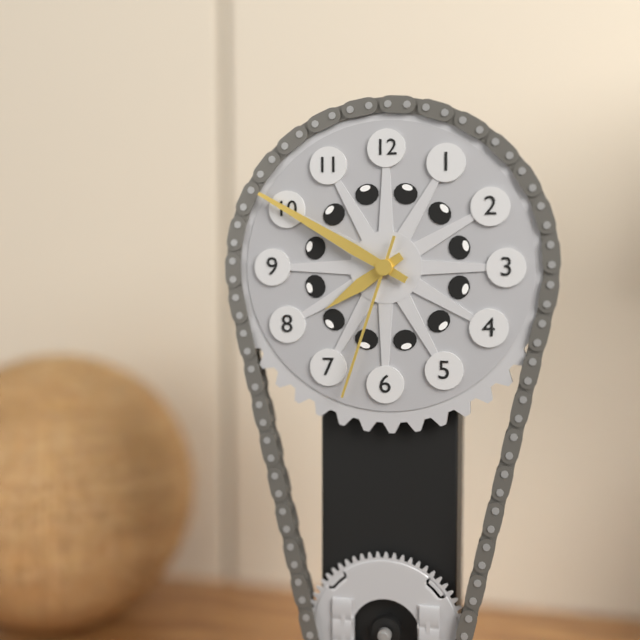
{"hour": 7, "minute": 50, "second": 33}
